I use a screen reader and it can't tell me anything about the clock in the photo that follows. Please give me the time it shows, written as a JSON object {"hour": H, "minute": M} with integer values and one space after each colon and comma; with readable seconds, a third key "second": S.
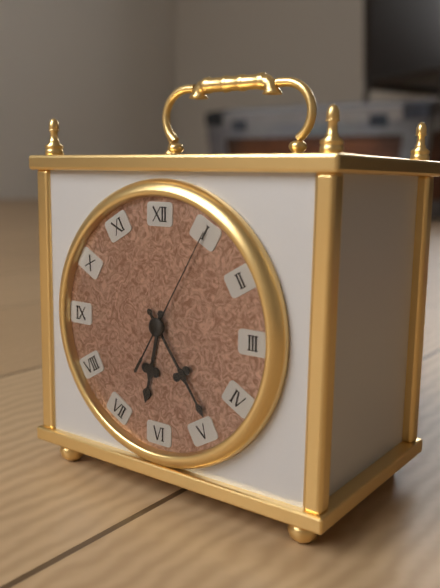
{"hour": 6, "minute": 24, "second": 5}
